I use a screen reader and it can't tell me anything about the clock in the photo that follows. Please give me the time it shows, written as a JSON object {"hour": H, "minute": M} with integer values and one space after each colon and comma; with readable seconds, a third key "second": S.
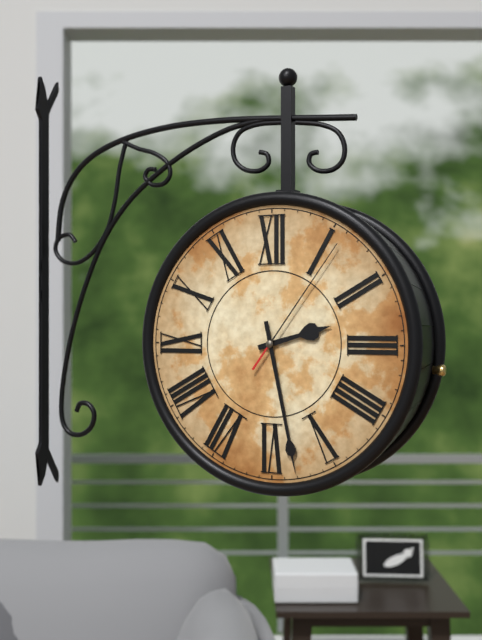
{"hour": 2, "minute": 28, "second": 6}
